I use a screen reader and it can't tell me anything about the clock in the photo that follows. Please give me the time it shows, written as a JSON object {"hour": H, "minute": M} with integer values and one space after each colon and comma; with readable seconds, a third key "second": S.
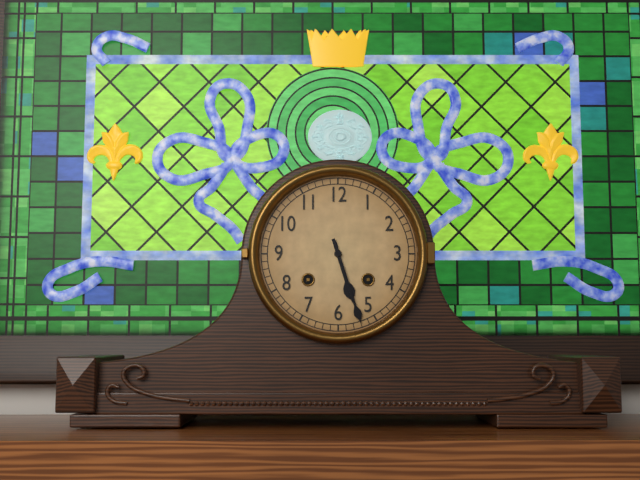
{"hour": 5, "minute": 27}
